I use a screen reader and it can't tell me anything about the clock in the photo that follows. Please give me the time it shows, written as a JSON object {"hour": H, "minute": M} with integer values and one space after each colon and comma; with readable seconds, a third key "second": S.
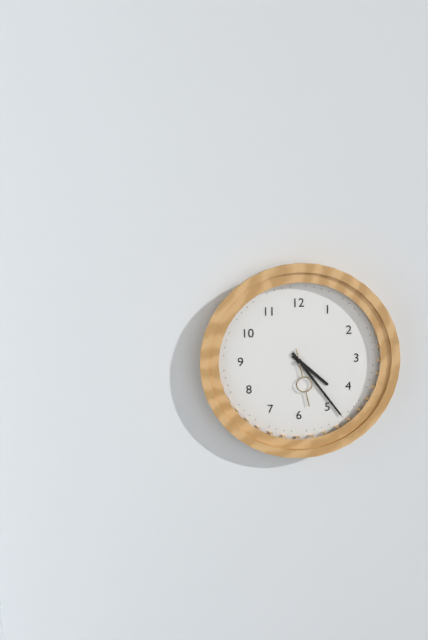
{"hour": 4, "minute": 24, "second": 28}
